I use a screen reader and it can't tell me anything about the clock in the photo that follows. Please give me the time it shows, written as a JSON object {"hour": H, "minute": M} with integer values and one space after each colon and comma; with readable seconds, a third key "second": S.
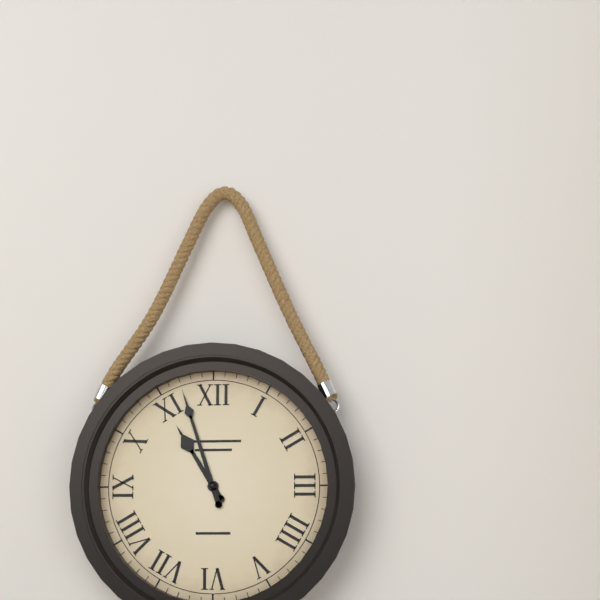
{"hour": 10, "minute": 57}
